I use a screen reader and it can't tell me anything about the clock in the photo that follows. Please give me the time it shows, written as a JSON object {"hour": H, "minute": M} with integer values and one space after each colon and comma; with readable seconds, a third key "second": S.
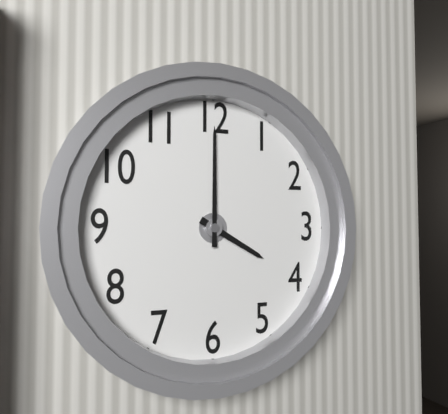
{"hour": 4, "minute": 0}
